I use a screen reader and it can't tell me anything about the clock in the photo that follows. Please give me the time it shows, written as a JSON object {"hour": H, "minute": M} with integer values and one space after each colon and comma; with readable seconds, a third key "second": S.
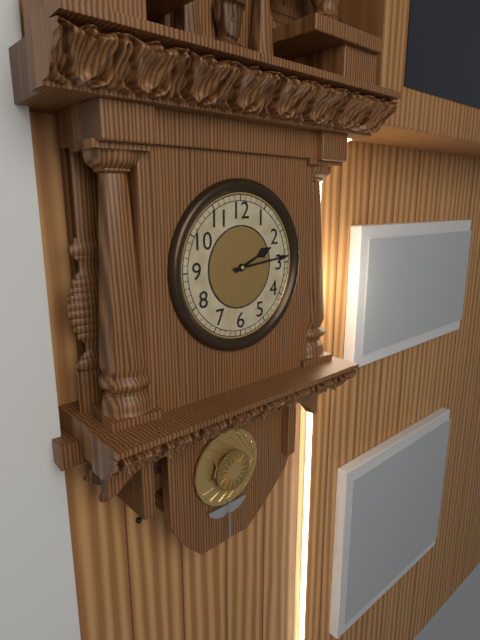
{"hour": 2, "minute": 14}
